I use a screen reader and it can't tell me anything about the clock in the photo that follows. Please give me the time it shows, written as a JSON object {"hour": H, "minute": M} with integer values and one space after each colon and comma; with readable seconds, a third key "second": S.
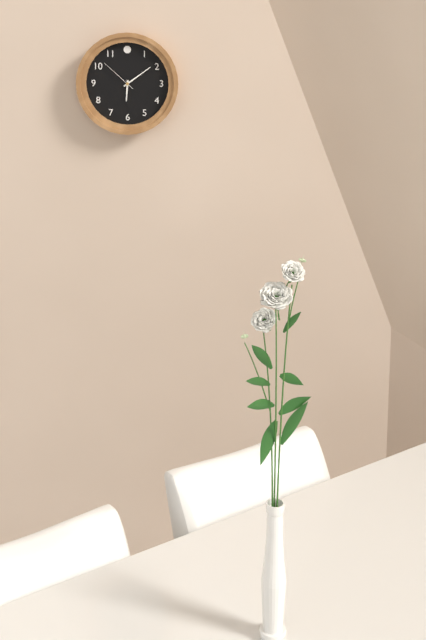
{"hour": 6, "minute": 9}
